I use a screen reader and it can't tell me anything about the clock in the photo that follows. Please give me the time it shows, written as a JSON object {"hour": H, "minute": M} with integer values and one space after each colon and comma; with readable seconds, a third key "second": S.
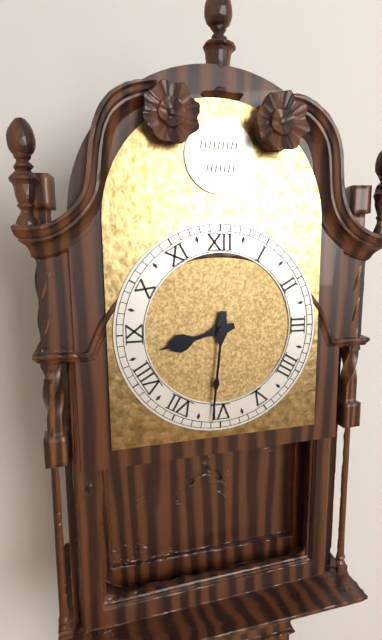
{"hour": 8, "minute": 31}
